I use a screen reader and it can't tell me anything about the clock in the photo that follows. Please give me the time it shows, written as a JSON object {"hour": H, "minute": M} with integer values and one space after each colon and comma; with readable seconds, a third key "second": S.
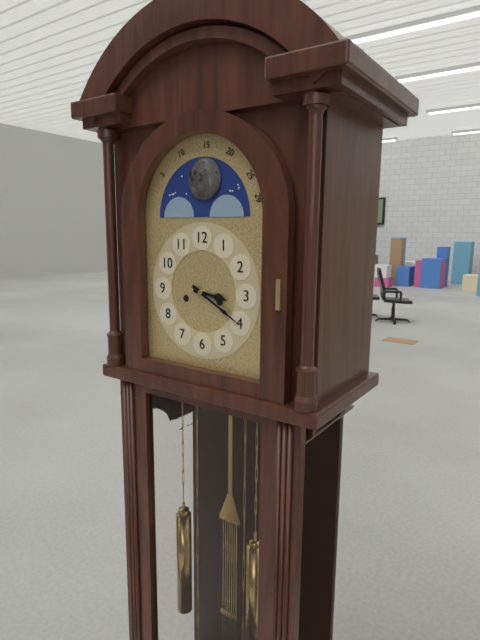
{"hour": 3, "minute": 20}
